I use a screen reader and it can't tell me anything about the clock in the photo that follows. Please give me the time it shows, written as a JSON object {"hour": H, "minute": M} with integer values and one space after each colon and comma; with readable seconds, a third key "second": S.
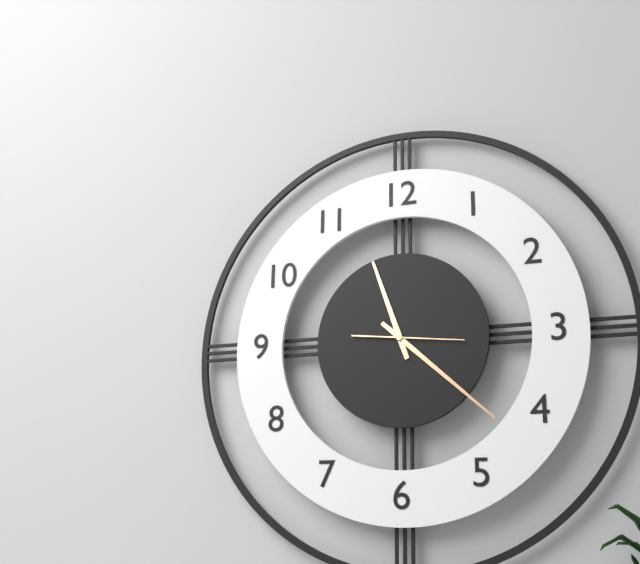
{"hour": 11, "minute": 22, "second": 16}
